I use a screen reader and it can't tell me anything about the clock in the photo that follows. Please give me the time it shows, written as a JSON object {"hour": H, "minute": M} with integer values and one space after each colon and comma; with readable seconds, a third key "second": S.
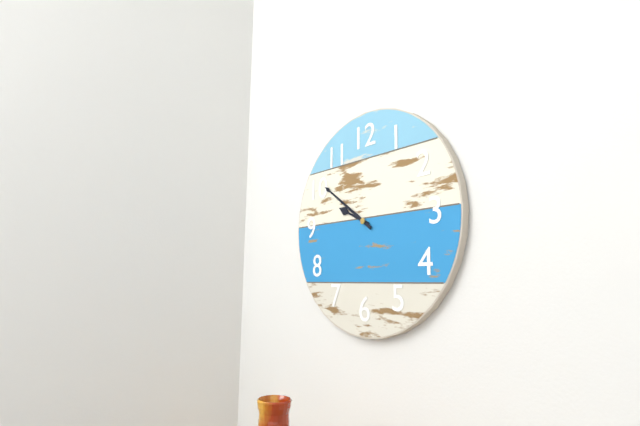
{"hour": 9, "minute": 51}
